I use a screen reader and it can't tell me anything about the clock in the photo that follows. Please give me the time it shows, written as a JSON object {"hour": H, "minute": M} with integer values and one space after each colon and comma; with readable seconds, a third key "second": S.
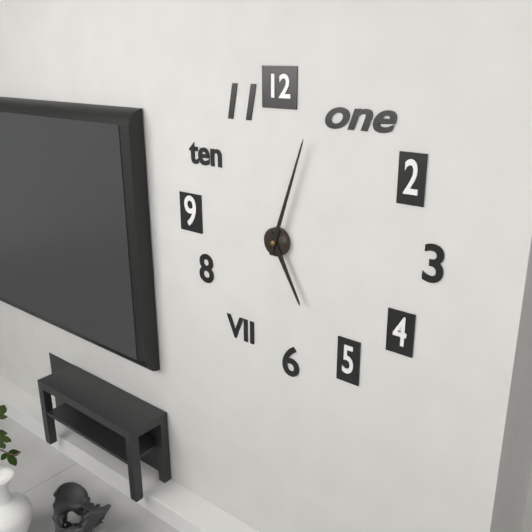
{"hour": 5, "minute": 3}
